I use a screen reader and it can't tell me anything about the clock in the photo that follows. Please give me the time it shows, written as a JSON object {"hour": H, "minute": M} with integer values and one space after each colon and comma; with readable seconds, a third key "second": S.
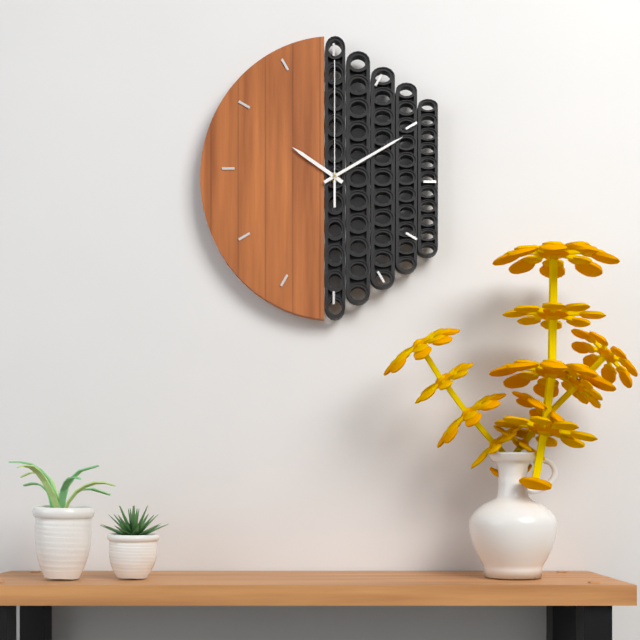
{"hour": 10, "minute": 10, "second": 0}
